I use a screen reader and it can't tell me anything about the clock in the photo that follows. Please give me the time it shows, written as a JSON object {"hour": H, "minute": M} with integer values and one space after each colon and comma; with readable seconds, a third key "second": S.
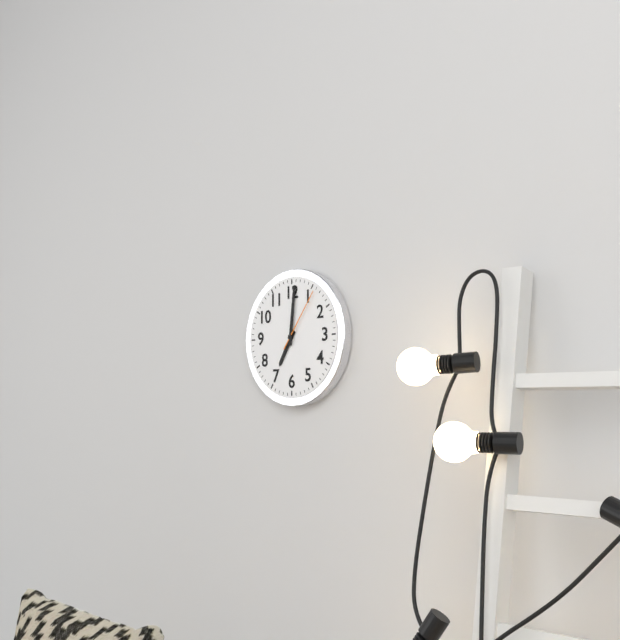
{"hour": 7, "minute": 1, "second": 6}
